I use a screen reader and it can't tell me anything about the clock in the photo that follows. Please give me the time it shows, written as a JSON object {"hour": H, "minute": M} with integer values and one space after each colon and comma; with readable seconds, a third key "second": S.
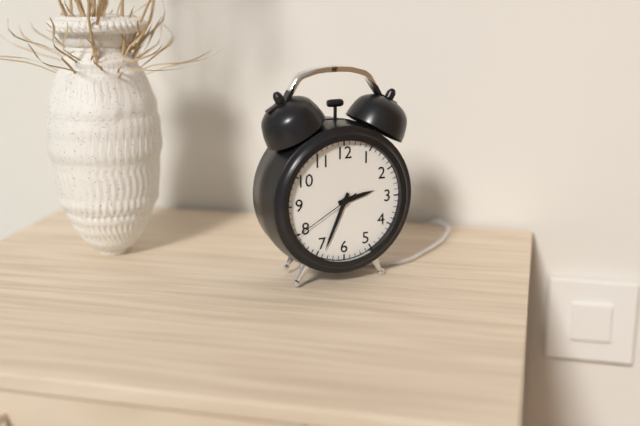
{"hour": 2, "minute": 34, "second": 40}
